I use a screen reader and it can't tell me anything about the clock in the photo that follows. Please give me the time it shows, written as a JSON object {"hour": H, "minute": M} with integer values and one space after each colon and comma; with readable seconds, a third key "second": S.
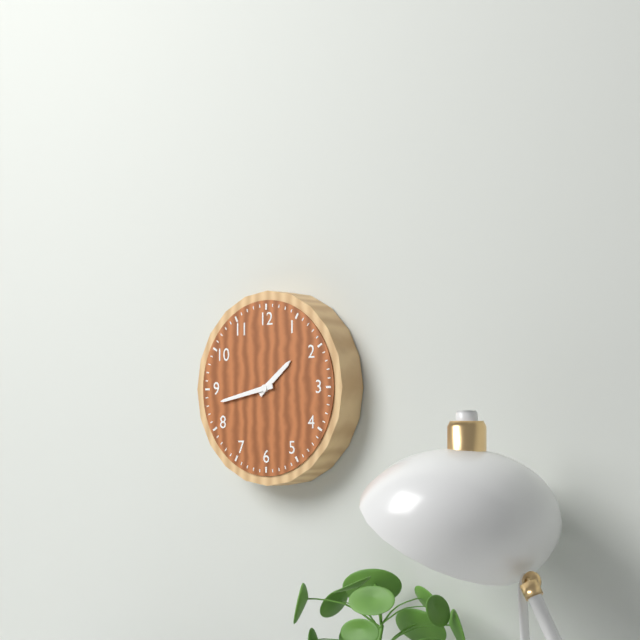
{"hour": 1, "minute": 43}
